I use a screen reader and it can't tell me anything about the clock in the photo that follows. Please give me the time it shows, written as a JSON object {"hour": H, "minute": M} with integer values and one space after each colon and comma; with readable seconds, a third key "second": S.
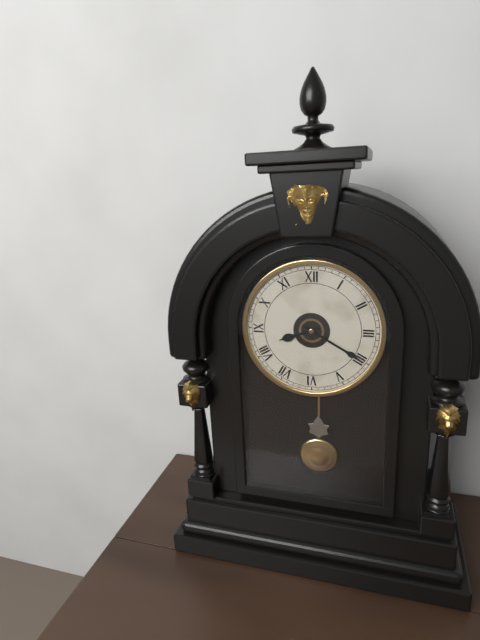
{"hour": 8, "minute": 20}
